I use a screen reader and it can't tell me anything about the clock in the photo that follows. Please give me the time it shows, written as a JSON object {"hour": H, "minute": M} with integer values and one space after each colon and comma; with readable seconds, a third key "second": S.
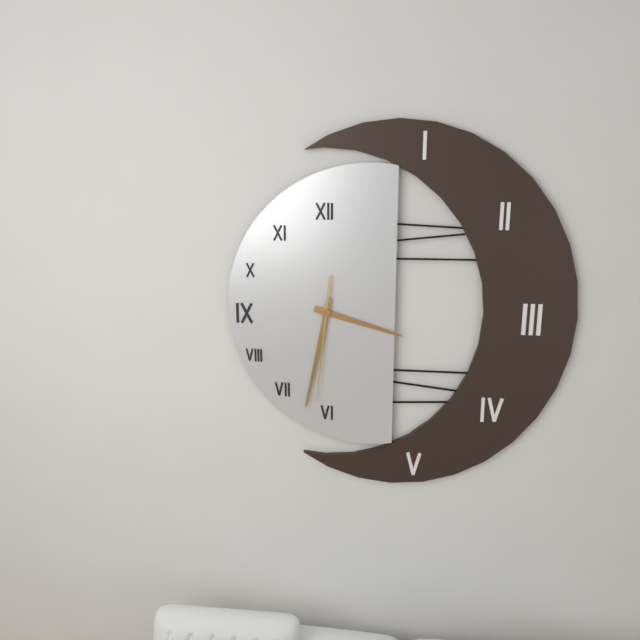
{"hour": 3, "minute": 32, "second": 31}
